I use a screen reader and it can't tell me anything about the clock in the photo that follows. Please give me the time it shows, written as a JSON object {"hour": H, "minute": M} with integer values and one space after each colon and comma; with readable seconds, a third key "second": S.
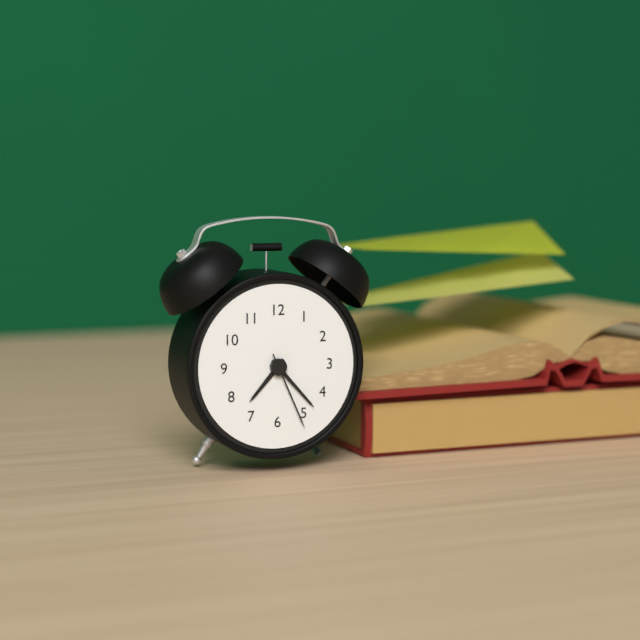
{"hour": 7, "minute": 23, "second": 26}
